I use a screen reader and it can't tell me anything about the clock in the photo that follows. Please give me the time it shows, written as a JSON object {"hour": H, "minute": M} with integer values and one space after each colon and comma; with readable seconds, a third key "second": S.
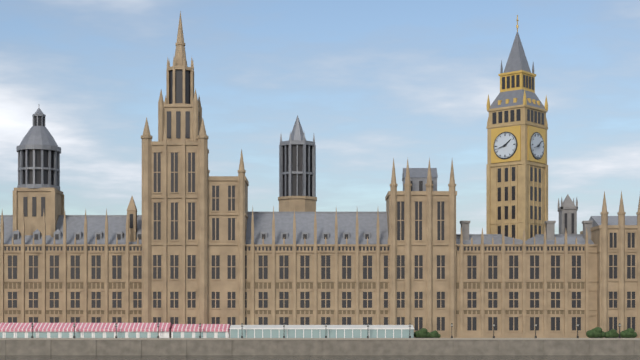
{"hour": 1, "minute": 42}
